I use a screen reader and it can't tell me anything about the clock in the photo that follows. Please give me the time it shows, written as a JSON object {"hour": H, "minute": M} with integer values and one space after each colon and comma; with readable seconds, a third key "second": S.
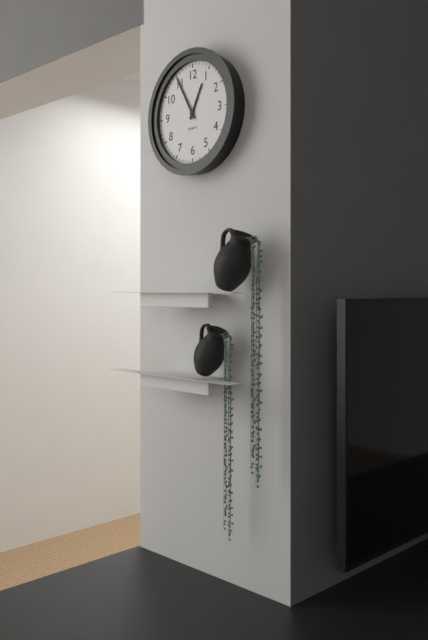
{"hour": 12, "minute": 55}
